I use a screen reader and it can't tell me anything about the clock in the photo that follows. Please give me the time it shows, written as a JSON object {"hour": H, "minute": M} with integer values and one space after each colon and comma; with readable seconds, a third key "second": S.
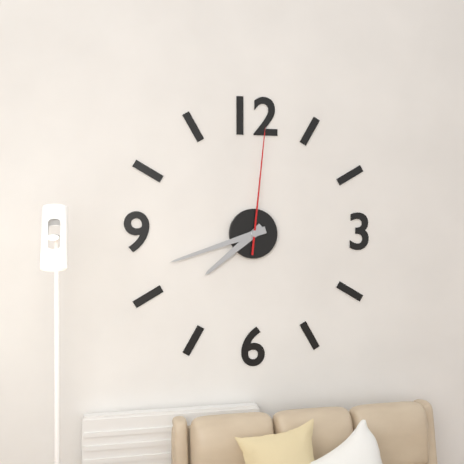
{"hour": 7, "minute": 42, "second": 1}
